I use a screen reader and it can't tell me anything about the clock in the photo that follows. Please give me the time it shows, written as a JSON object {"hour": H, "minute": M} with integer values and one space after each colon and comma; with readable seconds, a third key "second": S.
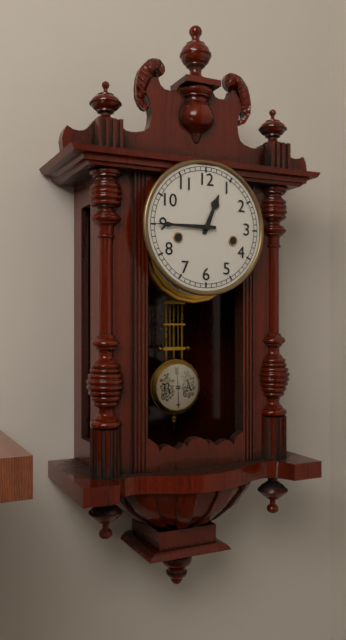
{"hour": 12, "minute": 45}
